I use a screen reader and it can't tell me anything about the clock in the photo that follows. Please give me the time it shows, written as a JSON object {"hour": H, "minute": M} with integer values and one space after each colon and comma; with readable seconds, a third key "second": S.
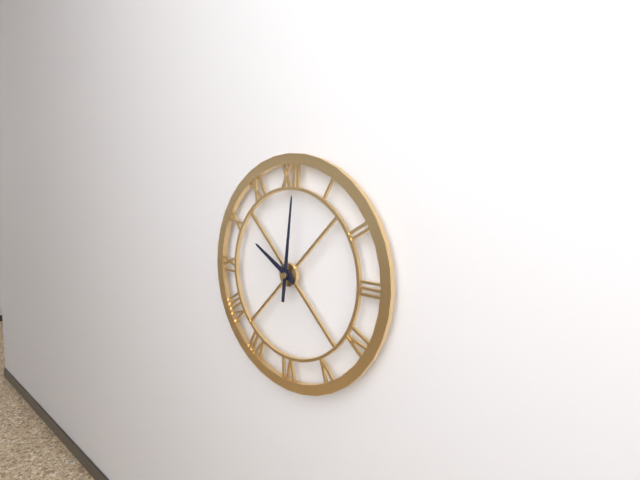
{"hour": 10, "minute": 1}
